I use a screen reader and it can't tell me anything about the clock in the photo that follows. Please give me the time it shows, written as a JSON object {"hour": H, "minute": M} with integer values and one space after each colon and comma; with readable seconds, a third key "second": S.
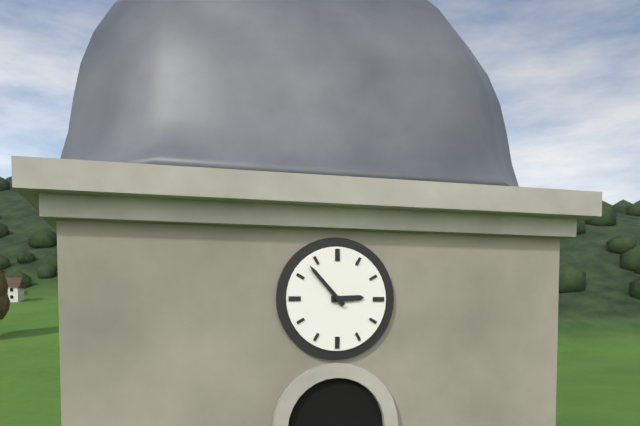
{"hour": 2, "minute": 53}
